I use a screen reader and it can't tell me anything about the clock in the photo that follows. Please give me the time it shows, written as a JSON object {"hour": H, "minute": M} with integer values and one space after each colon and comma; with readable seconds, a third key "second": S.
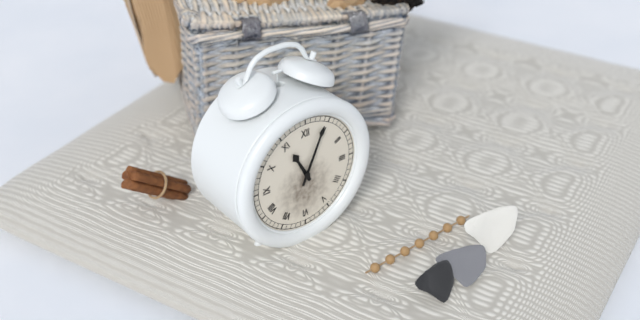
{"hour": 11, "minute": 4}
